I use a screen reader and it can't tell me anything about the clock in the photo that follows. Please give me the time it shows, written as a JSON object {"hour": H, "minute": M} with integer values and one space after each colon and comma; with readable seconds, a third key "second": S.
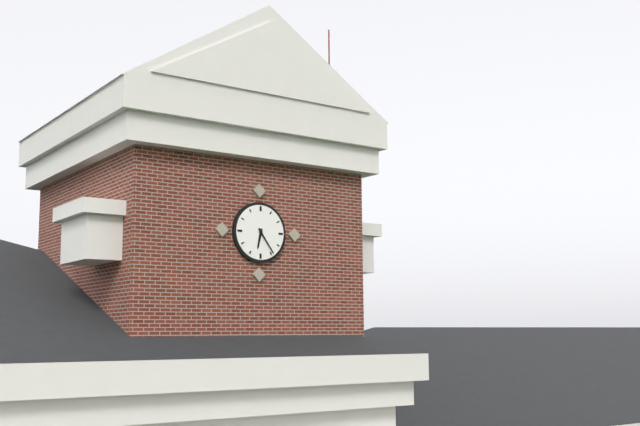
{"hour": 6, "minute": 24}
